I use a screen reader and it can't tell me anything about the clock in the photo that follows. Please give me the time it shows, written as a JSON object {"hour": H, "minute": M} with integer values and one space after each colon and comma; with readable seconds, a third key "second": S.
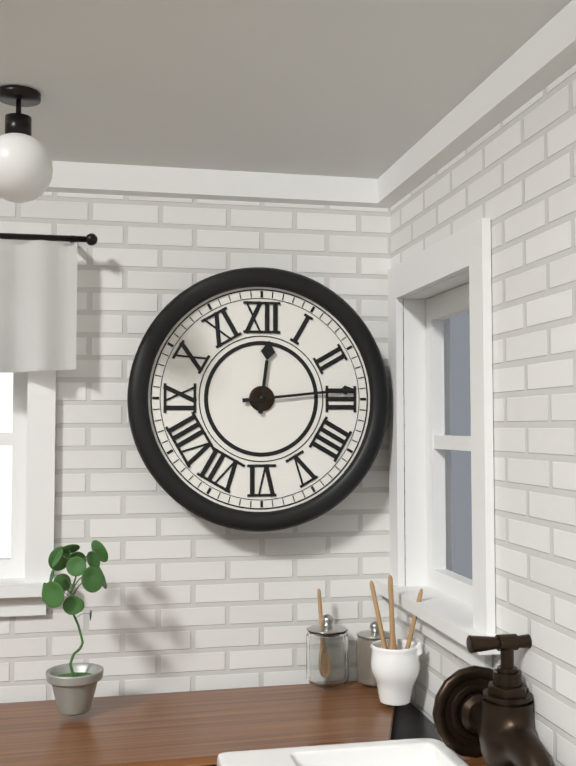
{"hour": 12, "minute": 14}
